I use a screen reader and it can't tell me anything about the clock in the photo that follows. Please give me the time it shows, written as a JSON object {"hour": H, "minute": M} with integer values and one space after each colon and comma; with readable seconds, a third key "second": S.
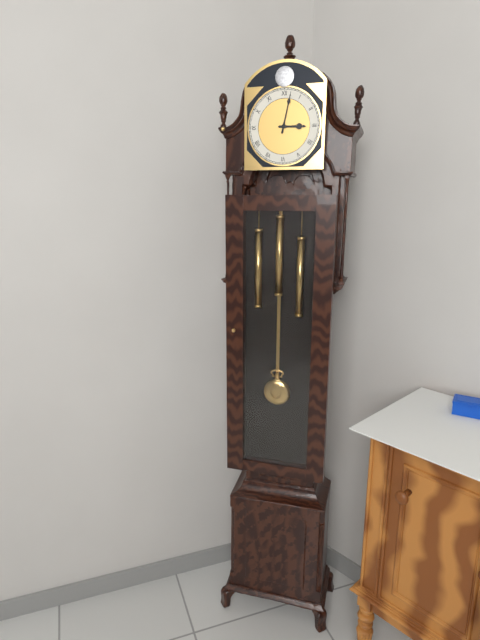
{"hour": 3, "minute": 2}
